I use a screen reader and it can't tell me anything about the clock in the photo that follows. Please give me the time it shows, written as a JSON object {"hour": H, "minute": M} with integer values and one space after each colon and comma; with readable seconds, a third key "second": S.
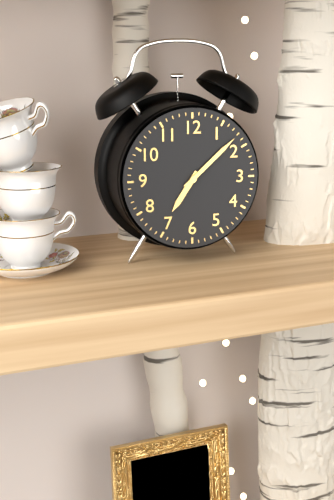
{"hour": 7, "minute": 8}
